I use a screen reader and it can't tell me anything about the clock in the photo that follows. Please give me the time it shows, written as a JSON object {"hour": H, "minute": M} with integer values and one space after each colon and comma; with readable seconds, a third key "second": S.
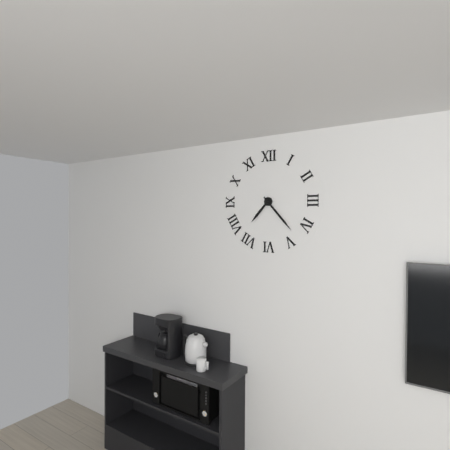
{"hour": 7, "minute": 23}
